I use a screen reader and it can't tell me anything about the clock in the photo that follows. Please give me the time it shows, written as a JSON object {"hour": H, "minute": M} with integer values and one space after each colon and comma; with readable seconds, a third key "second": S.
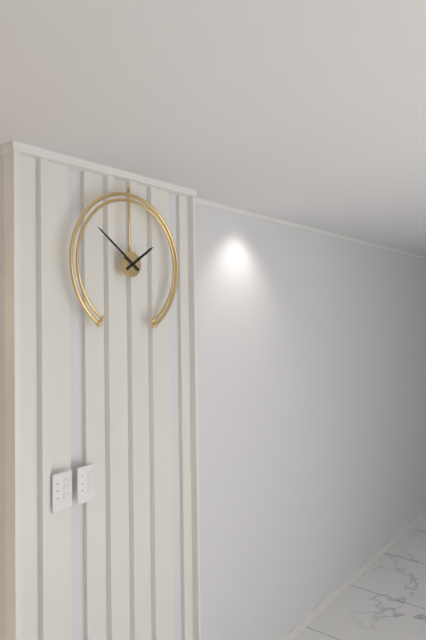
{"hour": 1, "minute": 51}
